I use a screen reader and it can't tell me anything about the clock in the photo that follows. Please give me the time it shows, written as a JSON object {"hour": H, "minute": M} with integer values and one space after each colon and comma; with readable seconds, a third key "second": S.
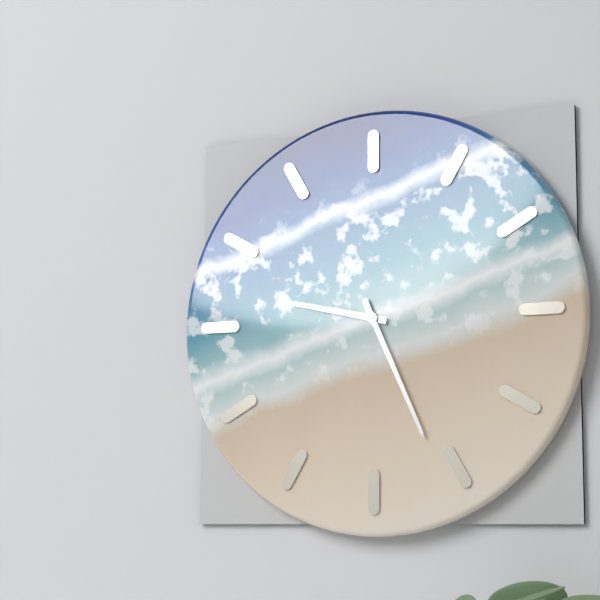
{"hour": 9, "minute": 26}
